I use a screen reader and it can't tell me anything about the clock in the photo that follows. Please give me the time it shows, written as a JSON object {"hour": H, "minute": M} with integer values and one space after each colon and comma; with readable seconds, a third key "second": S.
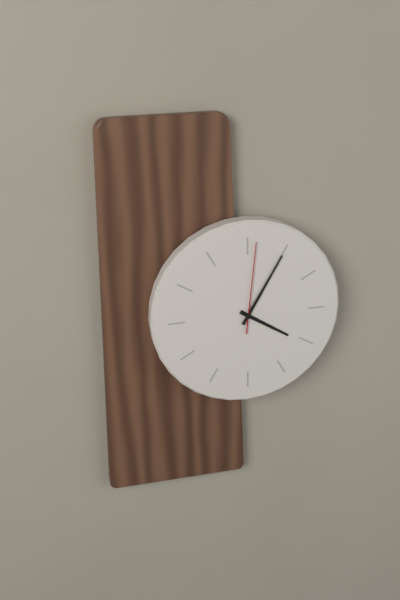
{"hour": 4, "minute": 5, "second": 1}
